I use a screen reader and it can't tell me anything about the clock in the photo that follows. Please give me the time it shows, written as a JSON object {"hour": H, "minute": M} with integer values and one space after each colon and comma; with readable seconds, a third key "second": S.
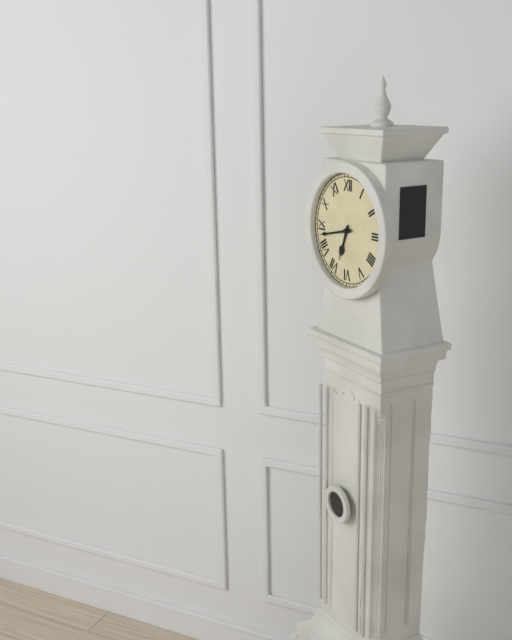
{"hour": 6, "minute": 43}
